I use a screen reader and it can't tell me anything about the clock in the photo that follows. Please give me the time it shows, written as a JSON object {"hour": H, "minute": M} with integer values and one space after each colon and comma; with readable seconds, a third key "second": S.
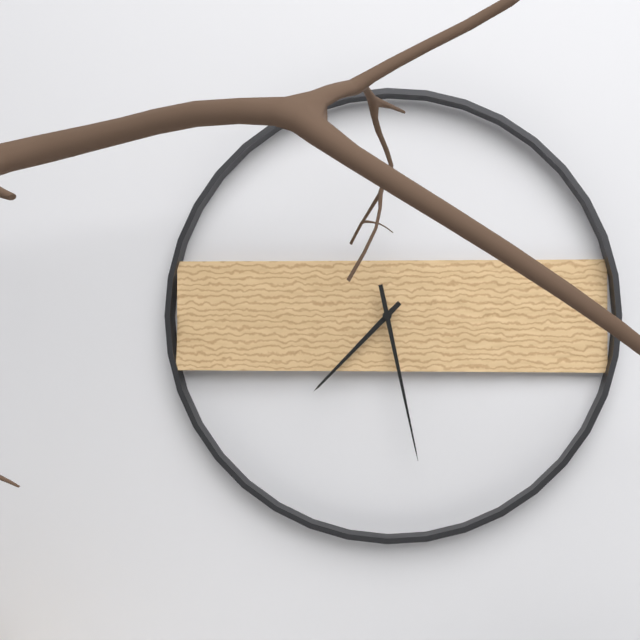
{"hour": 7, "minute": 28}
